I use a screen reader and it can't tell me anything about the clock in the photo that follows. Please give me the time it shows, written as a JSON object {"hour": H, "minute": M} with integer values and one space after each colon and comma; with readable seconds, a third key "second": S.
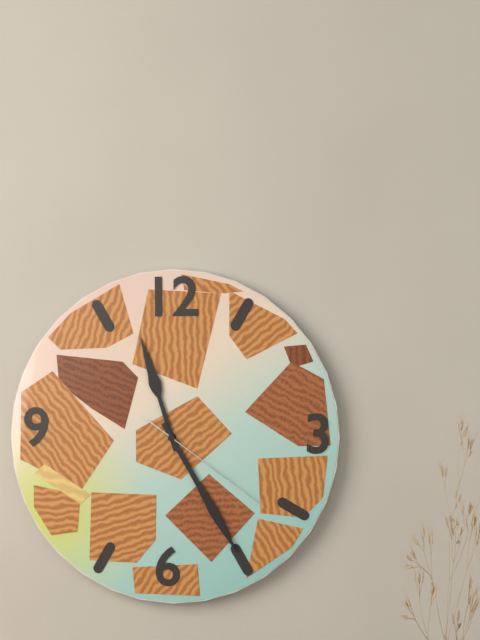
{"hour": 11, "minute": 25, "second": 21}
